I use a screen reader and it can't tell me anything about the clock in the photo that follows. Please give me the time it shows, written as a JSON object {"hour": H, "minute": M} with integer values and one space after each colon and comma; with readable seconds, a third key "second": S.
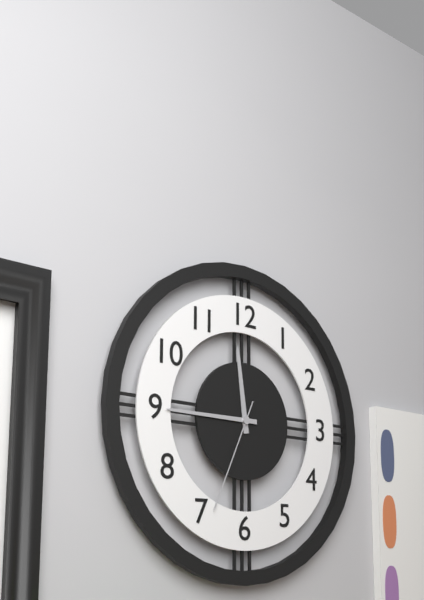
{"hour": 11, "minute": 45, "second": 34}
